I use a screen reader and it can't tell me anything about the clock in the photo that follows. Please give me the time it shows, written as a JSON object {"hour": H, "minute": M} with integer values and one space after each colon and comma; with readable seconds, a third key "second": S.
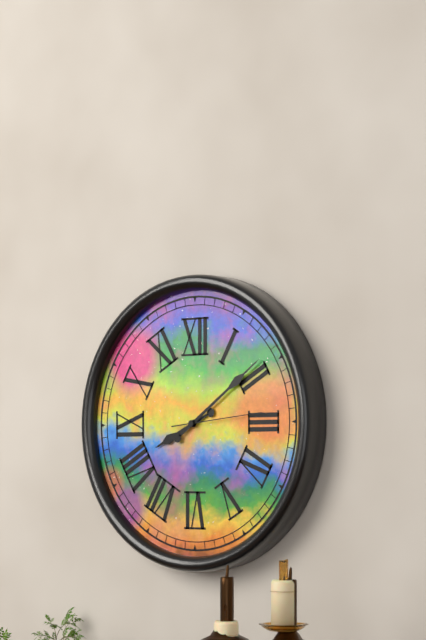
{"hour": 8, "minute": 9, "second": 14}
